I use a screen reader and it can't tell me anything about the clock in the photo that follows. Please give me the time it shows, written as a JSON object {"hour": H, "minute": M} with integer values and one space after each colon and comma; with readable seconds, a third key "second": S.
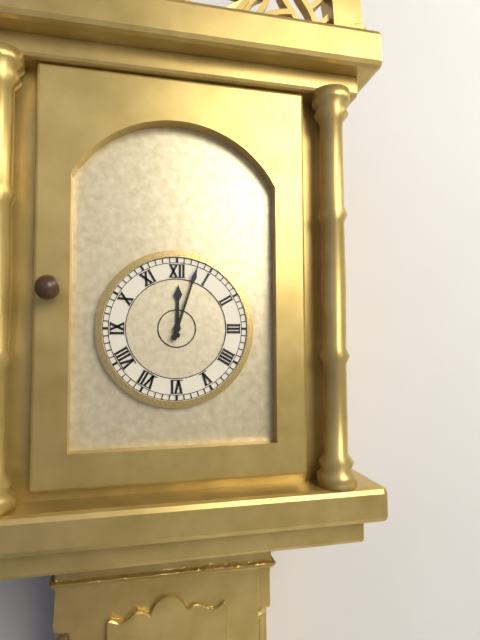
{"hour": 12, "minute": 3}
